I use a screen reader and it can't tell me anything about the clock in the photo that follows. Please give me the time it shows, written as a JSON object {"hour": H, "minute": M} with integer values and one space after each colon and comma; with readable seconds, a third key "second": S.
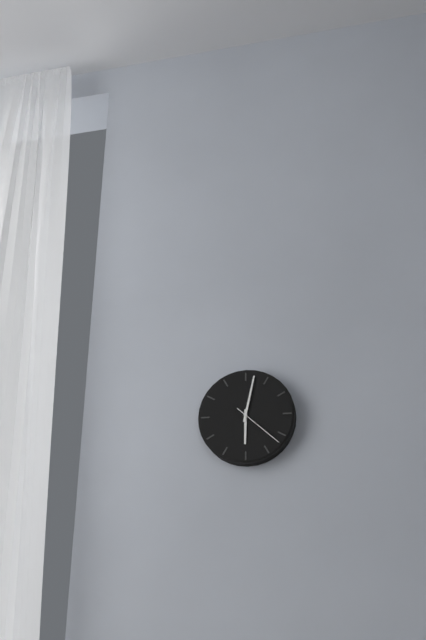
{"hour": 6, "minute": 2, "second": 22}
